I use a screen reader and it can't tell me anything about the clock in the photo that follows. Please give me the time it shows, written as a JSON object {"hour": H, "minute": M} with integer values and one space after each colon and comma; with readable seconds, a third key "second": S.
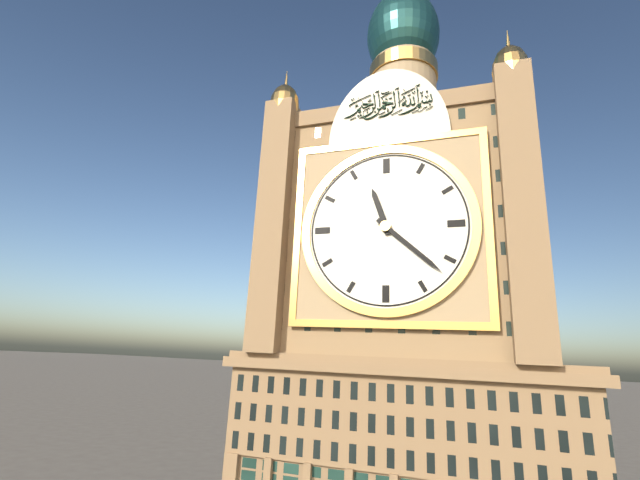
{"hour": 11, "minute": 22}
